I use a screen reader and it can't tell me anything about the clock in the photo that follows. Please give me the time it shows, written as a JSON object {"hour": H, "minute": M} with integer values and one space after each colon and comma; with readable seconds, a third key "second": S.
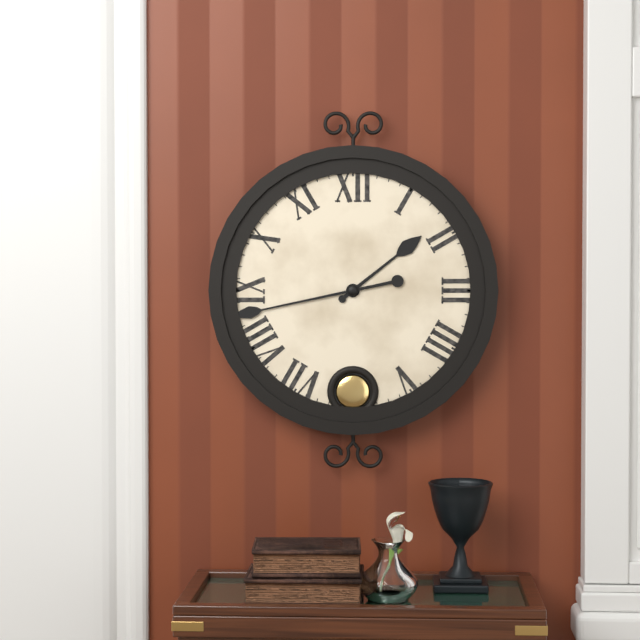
{"hour": 1, "minute": 43}
